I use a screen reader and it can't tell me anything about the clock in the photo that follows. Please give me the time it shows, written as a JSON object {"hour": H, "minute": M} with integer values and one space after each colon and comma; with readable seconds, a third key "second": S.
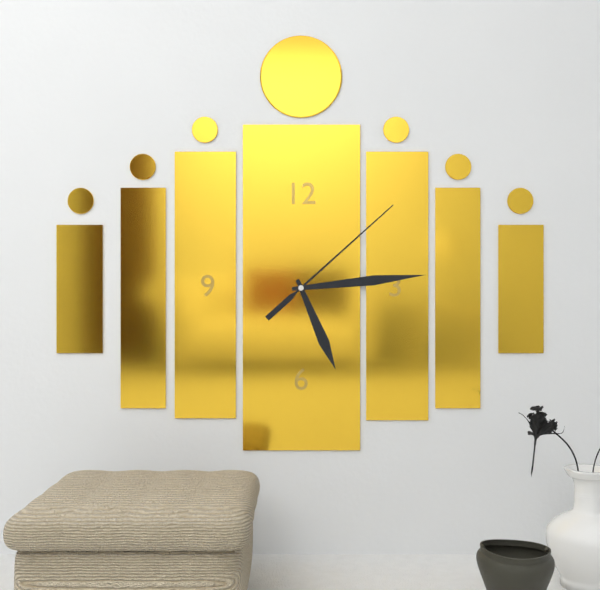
{"hour": 5, "minute": 14, "second": 8}
